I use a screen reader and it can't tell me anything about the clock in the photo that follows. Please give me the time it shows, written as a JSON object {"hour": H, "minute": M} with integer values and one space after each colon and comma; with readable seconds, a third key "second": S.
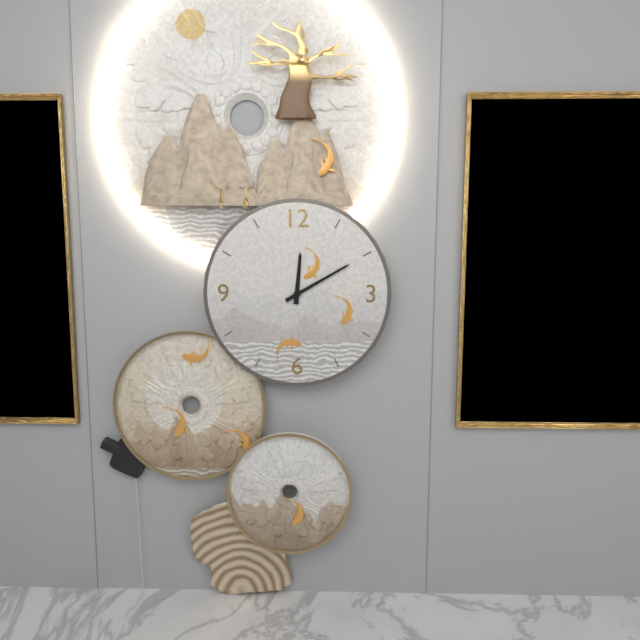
{"hour": 12, "minute": 10}
